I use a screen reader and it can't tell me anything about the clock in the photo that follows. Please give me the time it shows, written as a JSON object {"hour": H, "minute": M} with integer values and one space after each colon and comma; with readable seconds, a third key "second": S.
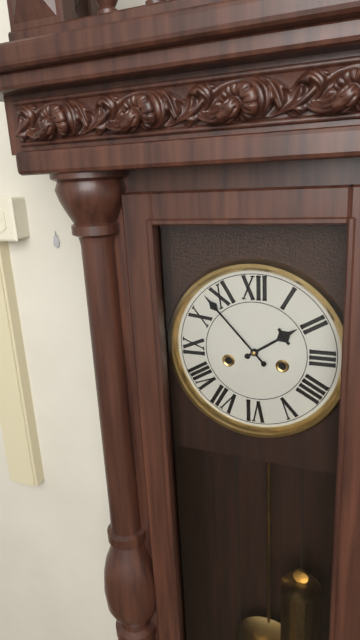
{"hour": 1, "minute": 53}
